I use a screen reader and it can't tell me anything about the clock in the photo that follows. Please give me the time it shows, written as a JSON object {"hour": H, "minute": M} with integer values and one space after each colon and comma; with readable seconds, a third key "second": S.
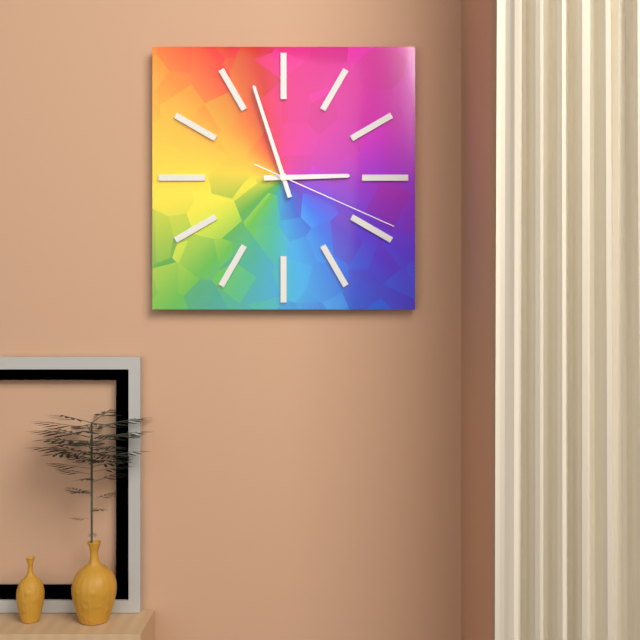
{"hour": 2, "minute": 57, "second": 19}
